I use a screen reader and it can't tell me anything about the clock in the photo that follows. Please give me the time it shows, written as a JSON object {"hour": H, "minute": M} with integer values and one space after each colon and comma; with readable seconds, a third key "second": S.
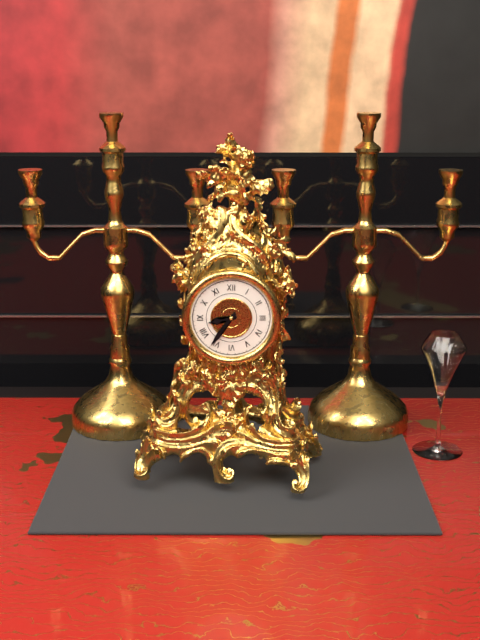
{"hour": 8, "minute": 36}
